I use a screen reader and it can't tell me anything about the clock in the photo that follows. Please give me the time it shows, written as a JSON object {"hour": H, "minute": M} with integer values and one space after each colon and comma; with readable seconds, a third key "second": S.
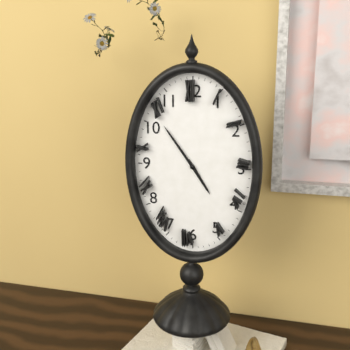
{"hour": 4, "minute": 54}
